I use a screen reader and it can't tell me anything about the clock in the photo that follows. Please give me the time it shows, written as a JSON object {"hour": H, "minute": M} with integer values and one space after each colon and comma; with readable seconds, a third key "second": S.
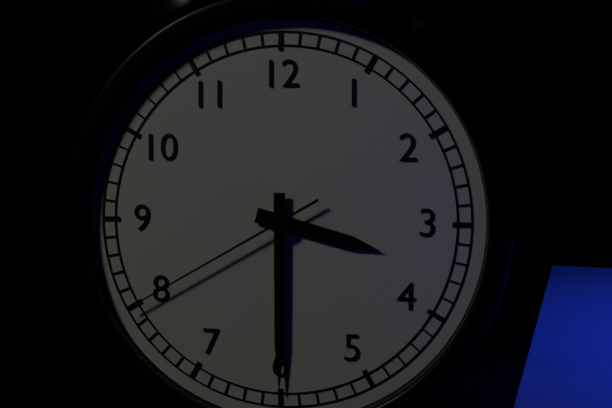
{"hour": 3, "minute": 30, "second": 40}
